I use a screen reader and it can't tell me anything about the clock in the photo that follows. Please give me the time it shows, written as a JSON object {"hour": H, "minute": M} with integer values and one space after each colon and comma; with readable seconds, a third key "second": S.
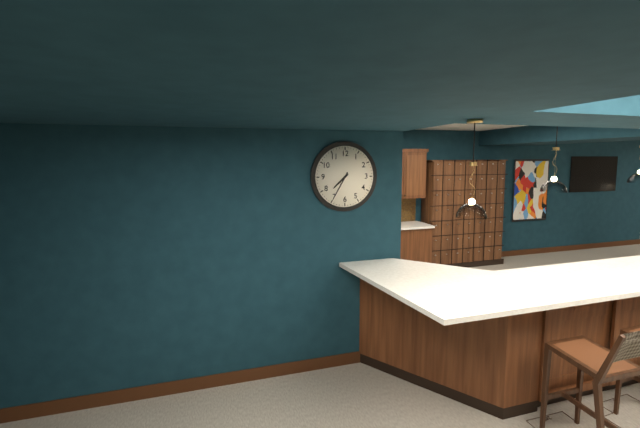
{"hour": 7, "minute": 35}
